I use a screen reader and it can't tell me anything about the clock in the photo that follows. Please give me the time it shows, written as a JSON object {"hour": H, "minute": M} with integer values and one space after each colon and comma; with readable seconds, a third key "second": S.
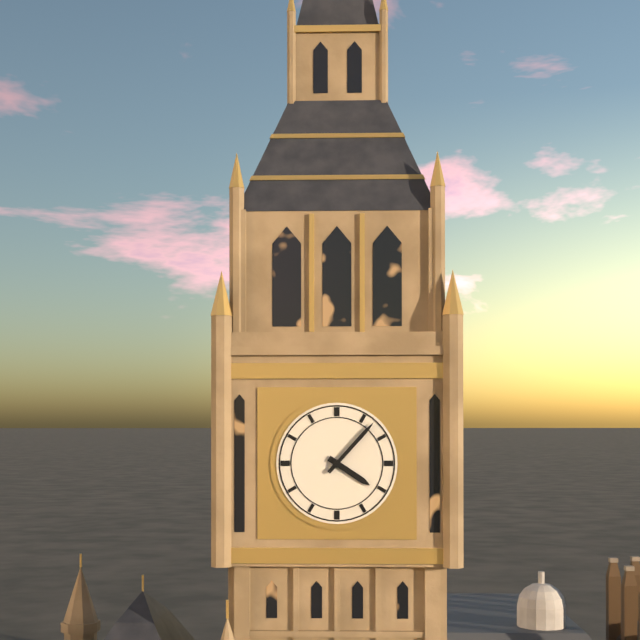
{"hour": 4, "minute": 7}
